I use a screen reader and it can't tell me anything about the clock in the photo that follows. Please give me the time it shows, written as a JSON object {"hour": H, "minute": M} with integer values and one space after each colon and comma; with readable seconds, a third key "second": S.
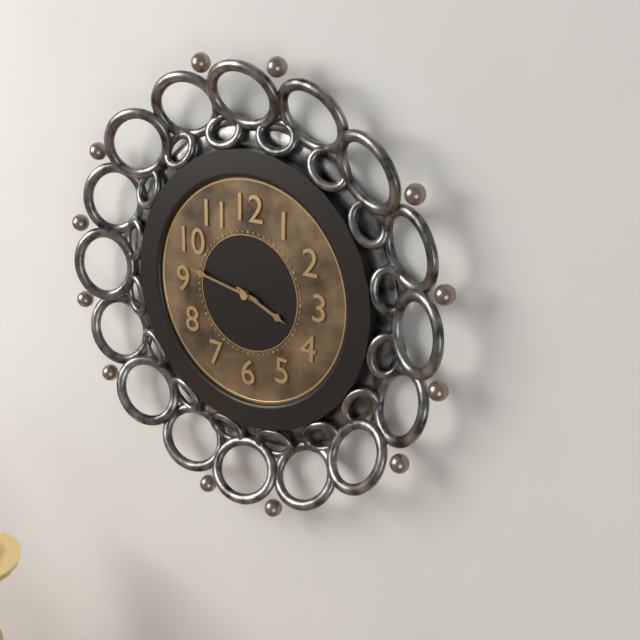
{"hour": 3, "minute": 47}
